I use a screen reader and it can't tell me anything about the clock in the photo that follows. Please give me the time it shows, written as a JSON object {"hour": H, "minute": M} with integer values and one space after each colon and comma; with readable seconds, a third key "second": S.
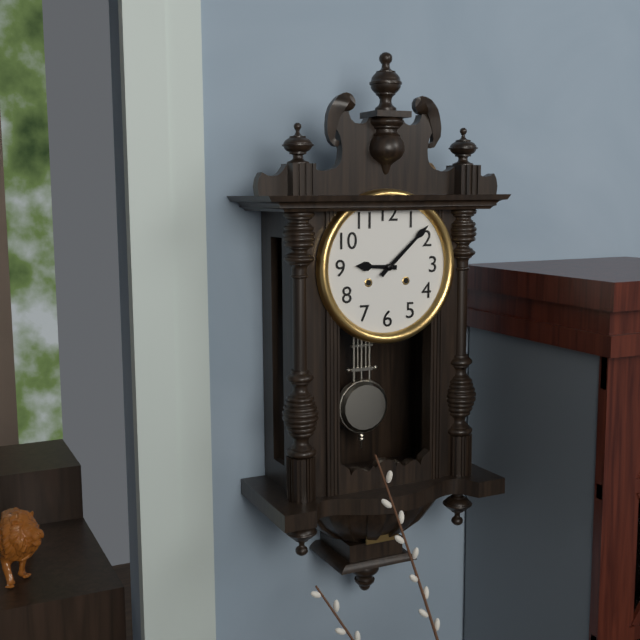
{"hour": 9, "minute": 8}
